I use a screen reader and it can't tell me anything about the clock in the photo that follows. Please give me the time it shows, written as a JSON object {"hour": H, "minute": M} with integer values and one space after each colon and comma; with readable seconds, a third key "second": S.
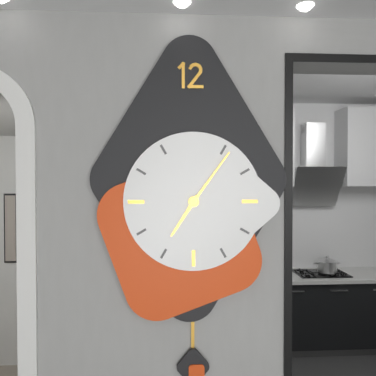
{"hour": 7, "minute": 6}
